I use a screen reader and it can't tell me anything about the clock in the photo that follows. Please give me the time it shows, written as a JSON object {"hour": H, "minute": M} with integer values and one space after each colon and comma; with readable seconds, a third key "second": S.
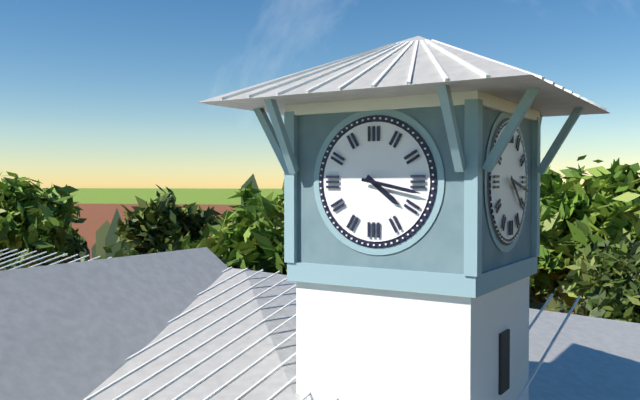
{"hour": 4, "minute": 17}
